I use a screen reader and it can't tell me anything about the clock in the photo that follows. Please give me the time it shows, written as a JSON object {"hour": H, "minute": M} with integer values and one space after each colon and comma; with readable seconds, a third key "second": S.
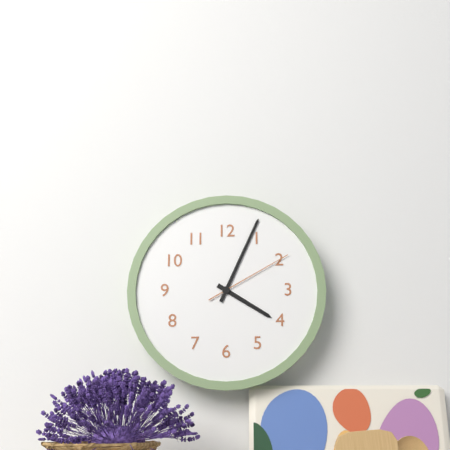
{"hour": 4, "minute": 4, "second": 10}
